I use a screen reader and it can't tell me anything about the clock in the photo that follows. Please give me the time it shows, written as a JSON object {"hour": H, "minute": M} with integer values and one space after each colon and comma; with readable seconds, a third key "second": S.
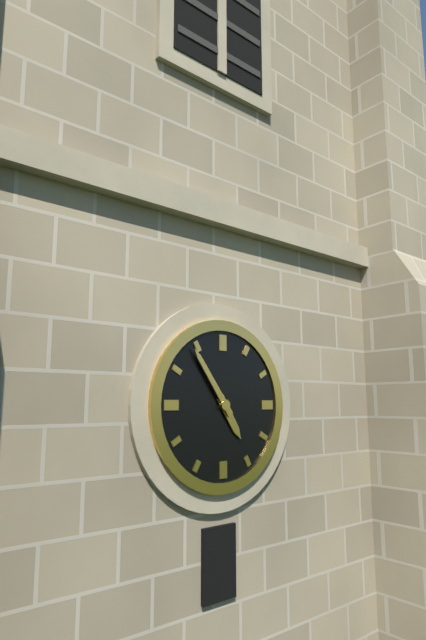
{"hour": 4, "minute": 54}
